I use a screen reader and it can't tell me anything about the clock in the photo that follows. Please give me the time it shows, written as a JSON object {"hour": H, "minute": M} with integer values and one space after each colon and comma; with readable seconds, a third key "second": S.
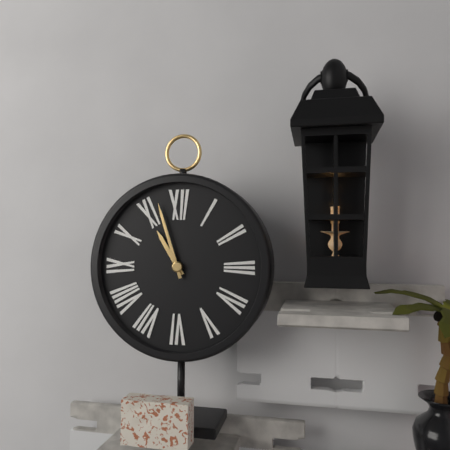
{"hour": 10, "minute": 57}
